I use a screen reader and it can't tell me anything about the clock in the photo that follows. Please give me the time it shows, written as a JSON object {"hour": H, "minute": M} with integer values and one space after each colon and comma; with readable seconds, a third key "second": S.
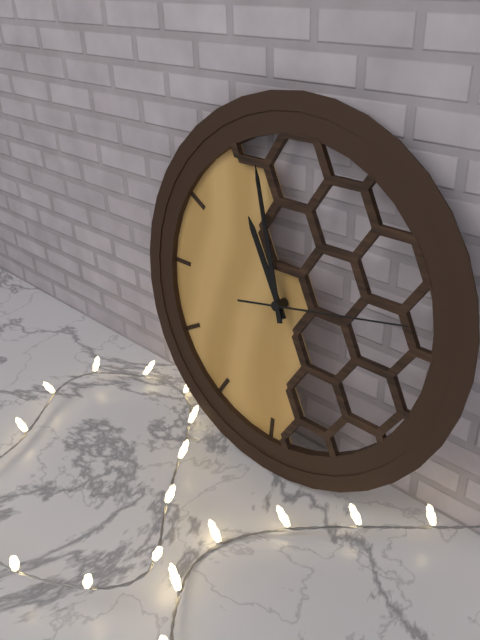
{"hour": 10, "minute": 57, "second": 13}
